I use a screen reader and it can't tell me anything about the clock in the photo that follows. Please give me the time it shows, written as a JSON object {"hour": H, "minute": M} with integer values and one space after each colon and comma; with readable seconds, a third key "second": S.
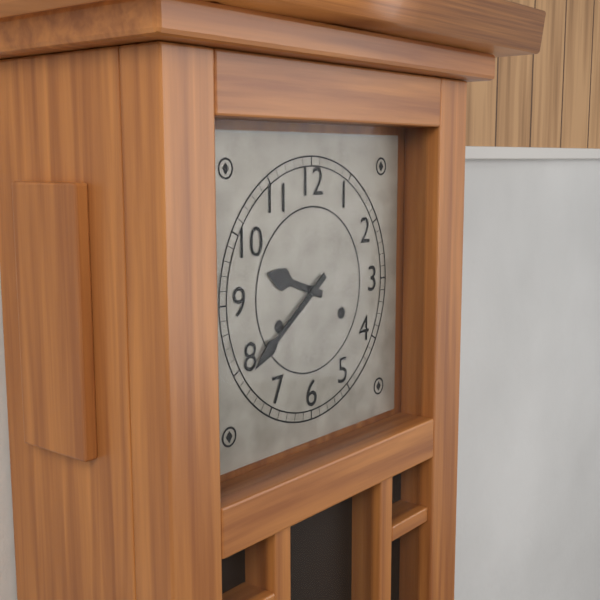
{"hour": 9, "minute": 39}
